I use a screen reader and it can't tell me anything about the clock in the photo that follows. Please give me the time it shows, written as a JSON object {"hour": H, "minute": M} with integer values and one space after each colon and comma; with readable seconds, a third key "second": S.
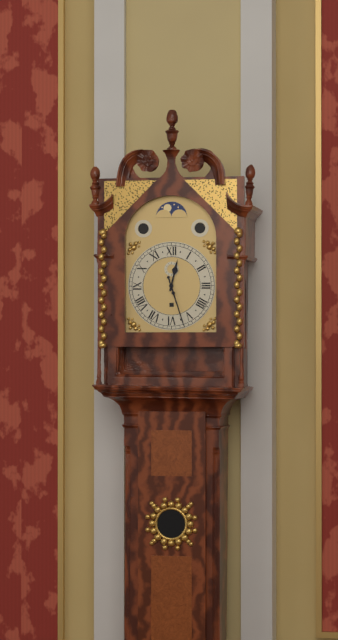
{"hour": 12, "minute": 27}
